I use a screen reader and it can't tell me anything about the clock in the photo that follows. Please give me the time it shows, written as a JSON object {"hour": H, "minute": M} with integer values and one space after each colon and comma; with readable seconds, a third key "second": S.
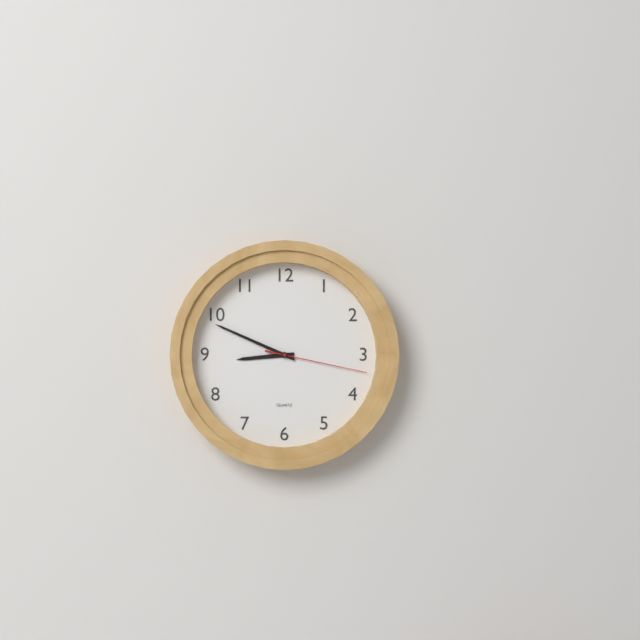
{"hour": 8, "minute": 49, "second": 17}
